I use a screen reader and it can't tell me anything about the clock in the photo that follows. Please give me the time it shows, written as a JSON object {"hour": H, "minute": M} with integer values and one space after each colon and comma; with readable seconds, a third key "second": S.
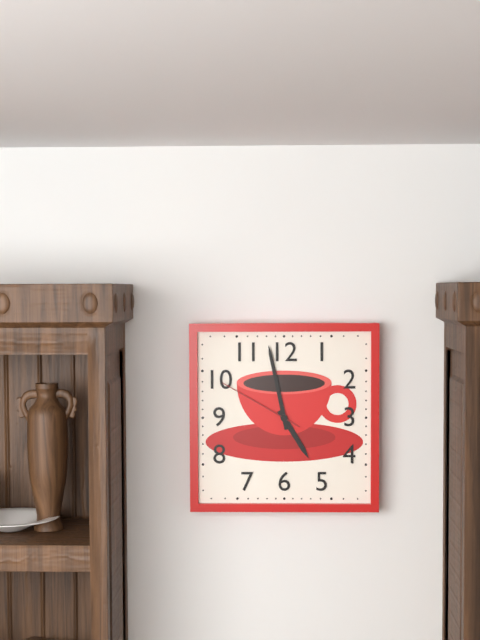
{"hour": 4, "minute": 58, "second": 50}
